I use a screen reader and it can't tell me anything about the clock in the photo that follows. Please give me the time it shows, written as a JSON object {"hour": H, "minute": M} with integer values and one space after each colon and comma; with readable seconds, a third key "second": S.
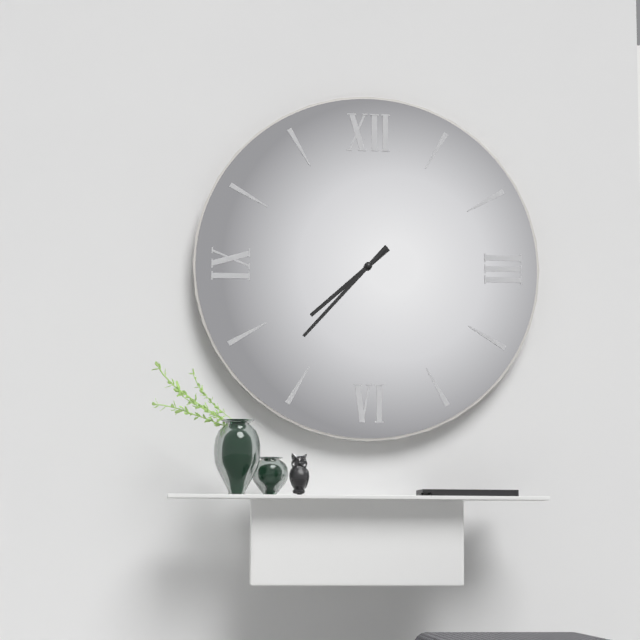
{"hour": 7, "minute": 37}
